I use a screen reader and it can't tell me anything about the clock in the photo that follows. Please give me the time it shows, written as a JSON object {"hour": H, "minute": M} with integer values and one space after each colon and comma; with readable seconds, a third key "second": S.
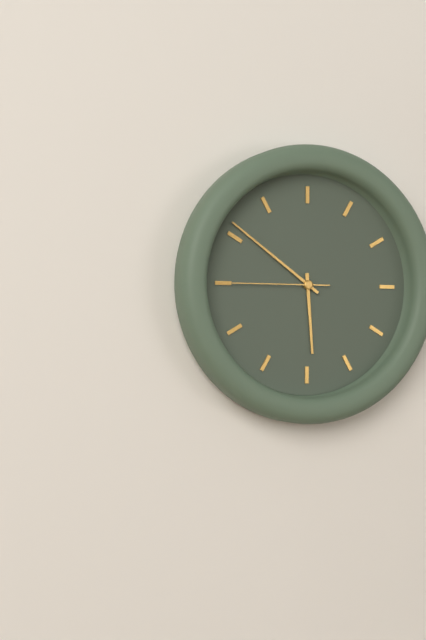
{"hour": 5, "minute": 51, "second": 45}
